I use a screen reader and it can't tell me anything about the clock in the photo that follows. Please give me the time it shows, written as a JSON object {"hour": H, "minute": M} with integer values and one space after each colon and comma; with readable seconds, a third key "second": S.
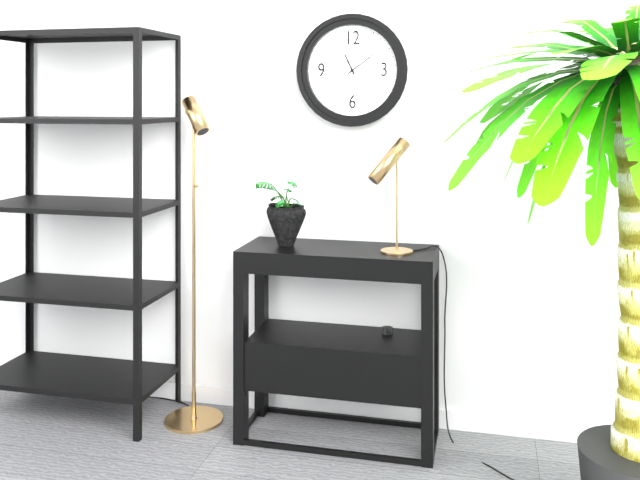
{"hour": 11, "minute": 9}
